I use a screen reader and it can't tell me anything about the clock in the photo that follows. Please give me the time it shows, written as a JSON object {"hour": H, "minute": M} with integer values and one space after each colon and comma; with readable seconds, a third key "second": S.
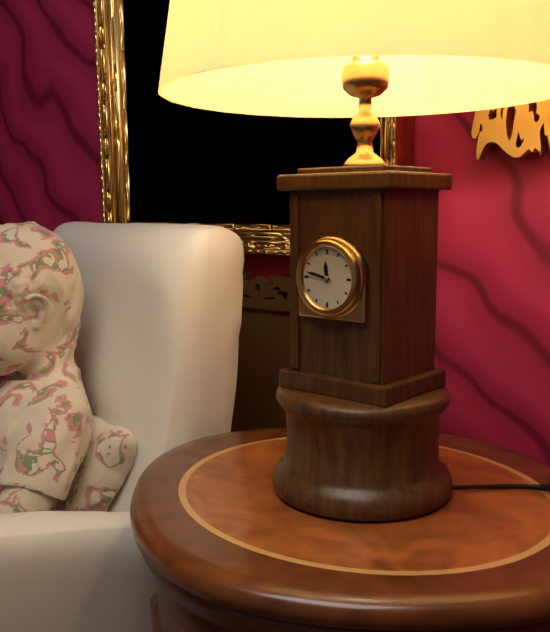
{"hour": 11, "minute": 47}
